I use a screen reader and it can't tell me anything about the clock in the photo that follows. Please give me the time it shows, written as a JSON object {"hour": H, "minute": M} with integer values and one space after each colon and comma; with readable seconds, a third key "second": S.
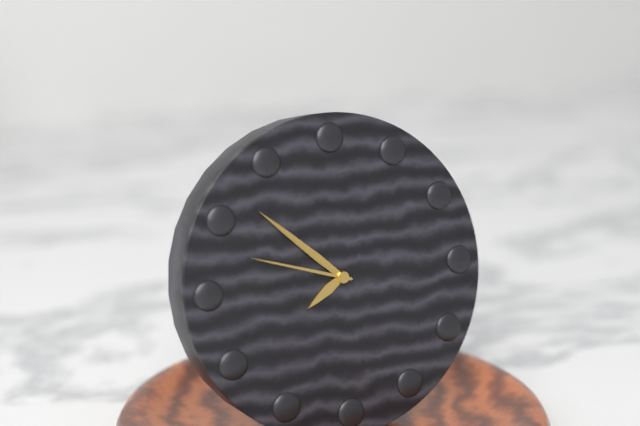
{"hour": 7, "minute": 52, "second": 48}
